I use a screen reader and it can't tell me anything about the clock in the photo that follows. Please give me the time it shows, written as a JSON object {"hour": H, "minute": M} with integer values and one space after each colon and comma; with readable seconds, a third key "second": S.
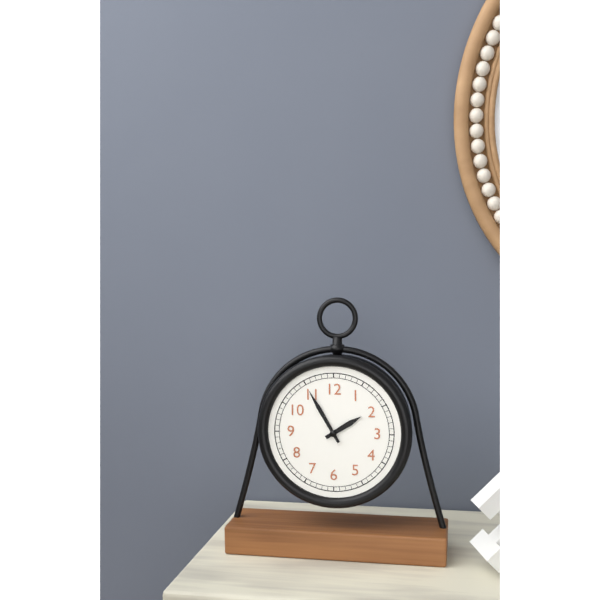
{"hour": 1, "minute": 55}
